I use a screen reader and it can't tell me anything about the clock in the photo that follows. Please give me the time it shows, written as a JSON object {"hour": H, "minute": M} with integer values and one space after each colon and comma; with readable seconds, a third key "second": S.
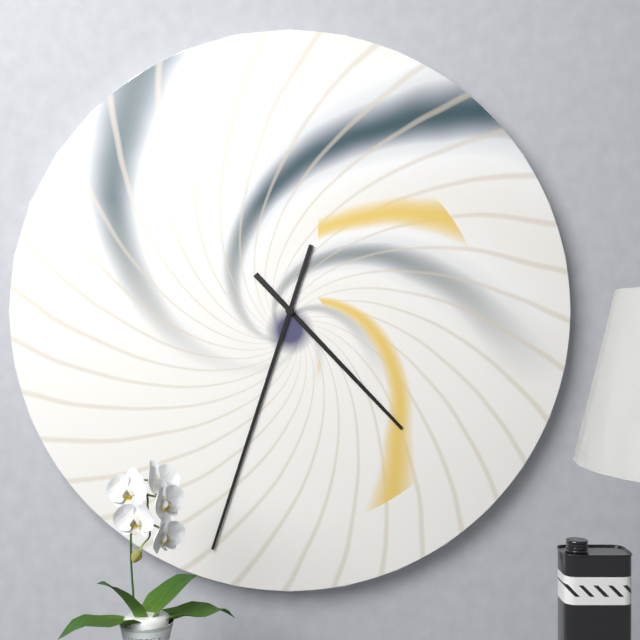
{"hour": 4, "minute": 33}
